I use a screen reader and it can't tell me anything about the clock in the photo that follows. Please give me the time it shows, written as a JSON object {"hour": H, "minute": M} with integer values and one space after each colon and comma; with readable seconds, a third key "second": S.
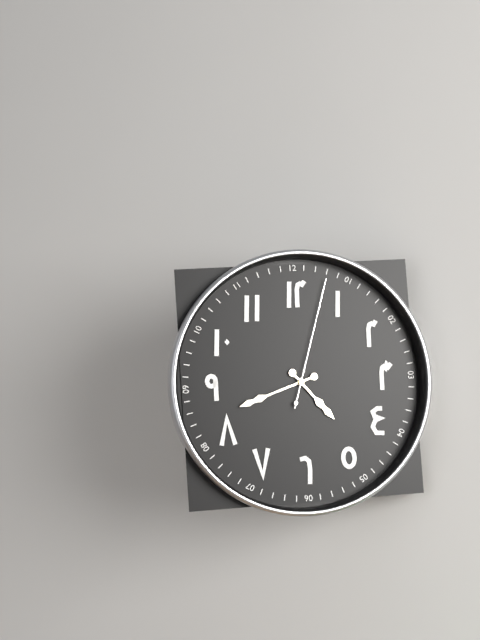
{"hour": 4, "minute": 42, "second": 3}
